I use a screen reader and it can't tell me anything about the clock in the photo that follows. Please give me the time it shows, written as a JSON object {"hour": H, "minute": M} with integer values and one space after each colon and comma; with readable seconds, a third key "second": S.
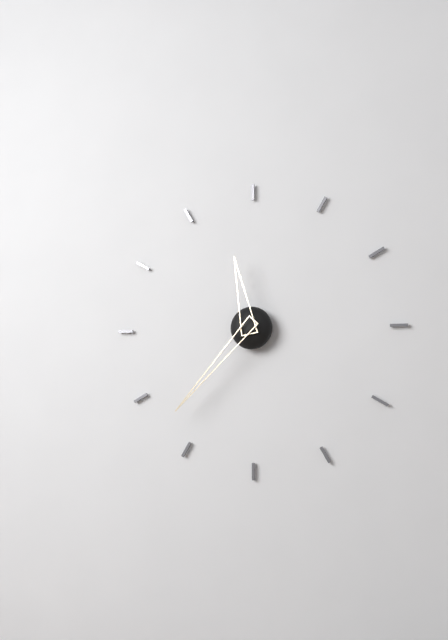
{"hour": 11, "minute": 37}
